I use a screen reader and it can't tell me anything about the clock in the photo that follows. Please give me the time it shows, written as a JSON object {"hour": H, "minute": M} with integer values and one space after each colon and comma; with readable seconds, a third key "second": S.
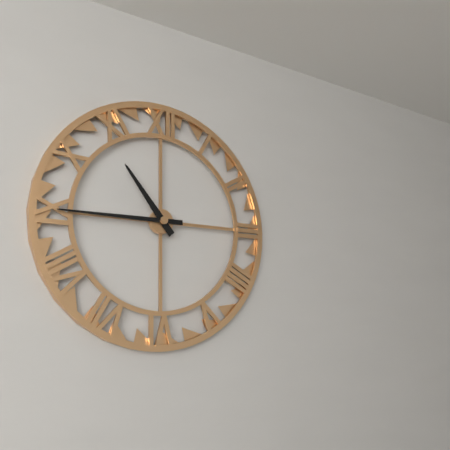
{"hour": 10, "minute": 45}
